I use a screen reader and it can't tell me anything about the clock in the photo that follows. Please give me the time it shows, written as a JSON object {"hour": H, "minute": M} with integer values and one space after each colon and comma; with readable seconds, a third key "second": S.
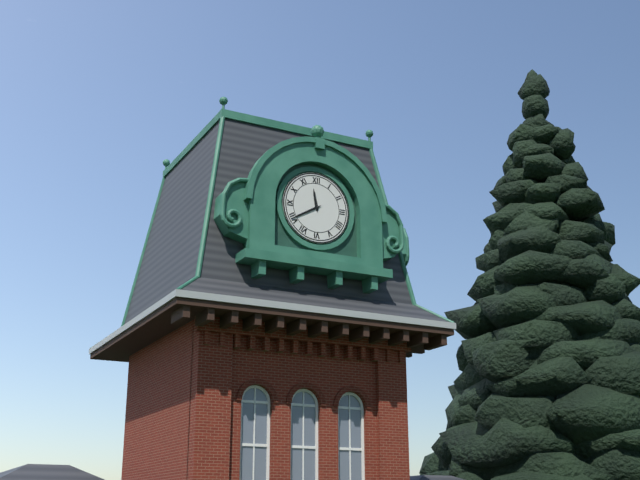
{"hour": 11, "minute": 40}
